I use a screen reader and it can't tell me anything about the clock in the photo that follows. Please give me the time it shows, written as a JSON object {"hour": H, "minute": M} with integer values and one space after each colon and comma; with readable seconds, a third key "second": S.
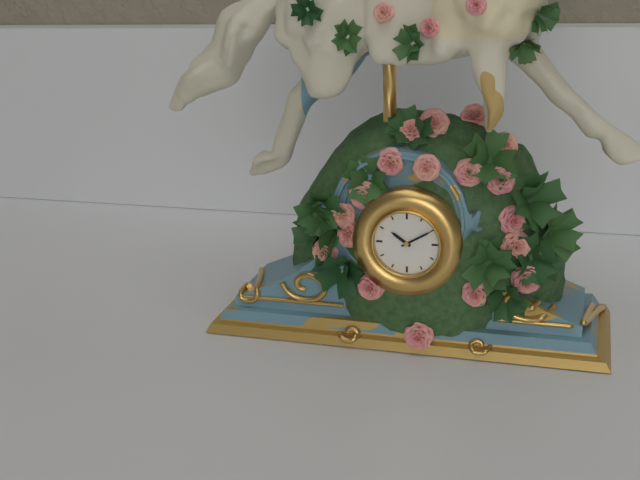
{"hour": 10, "minute": 10}
